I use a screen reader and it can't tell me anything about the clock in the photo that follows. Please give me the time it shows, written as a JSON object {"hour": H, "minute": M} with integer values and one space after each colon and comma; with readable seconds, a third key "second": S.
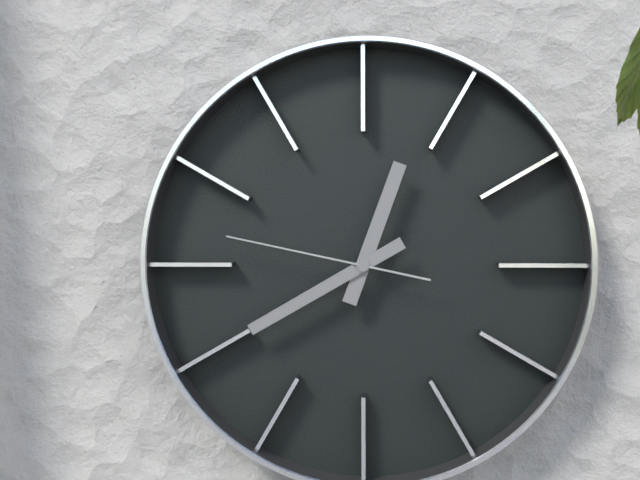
{"hour": 12, "minute": 40, "second": 47}
